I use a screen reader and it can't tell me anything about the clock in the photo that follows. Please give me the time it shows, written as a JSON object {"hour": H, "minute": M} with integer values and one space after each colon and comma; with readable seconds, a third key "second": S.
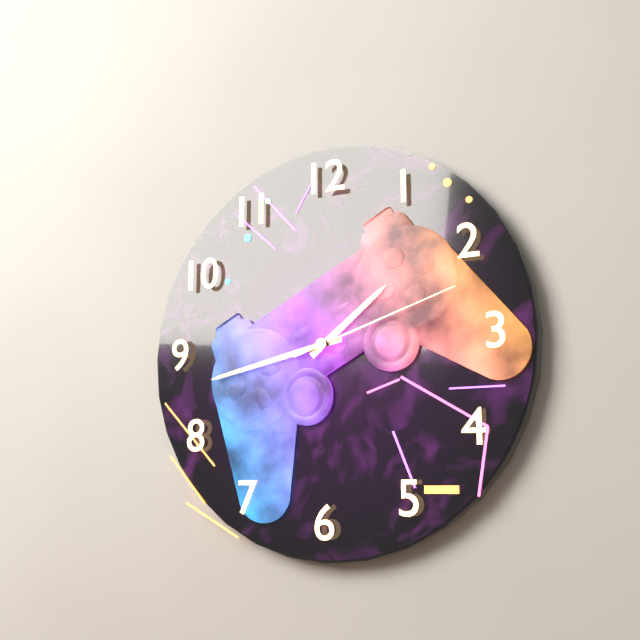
{"hour": 1, "minute": 43, "second": 12}
